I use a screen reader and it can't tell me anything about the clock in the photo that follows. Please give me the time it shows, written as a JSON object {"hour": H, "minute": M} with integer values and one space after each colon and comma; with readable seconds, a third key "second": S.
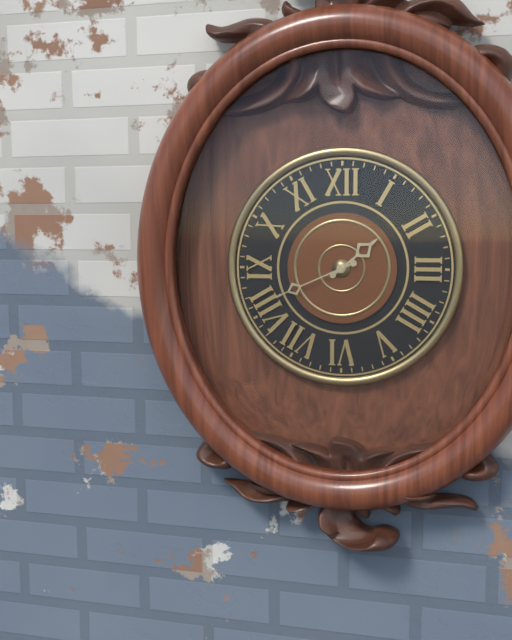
{"hour": 1, "minute": 41}
